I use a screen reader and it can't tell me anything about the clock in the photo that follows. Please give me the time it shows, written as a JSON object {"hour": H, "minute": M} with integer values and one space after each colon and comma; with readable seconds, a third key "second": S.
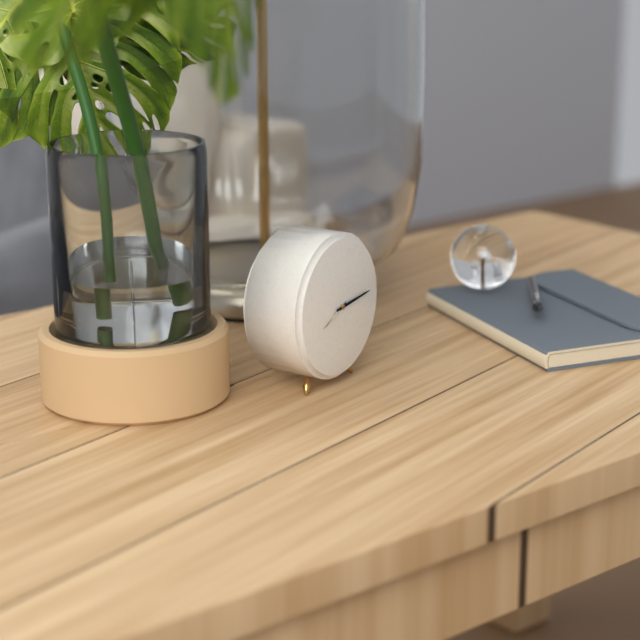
{"hour": 8, "minute": 14}
